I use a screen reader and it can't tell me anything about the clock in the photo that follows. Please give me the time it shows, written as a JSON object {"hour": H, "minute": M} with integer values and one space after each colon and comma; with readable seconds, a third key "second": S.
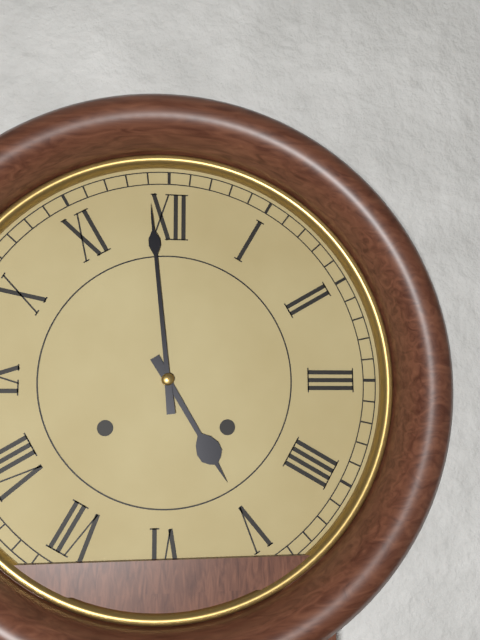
{"hour": 4, "minute": 59}
